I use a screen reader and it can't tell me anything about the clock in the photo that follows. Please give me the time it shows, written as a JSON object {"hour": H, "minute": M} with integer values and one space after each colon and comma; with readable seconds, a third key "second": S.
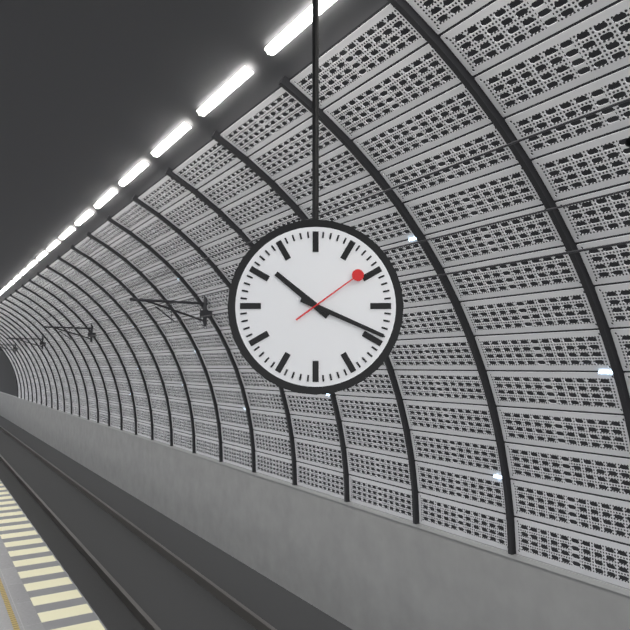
{"hour": 10, "minute": 19, "second": 9}
